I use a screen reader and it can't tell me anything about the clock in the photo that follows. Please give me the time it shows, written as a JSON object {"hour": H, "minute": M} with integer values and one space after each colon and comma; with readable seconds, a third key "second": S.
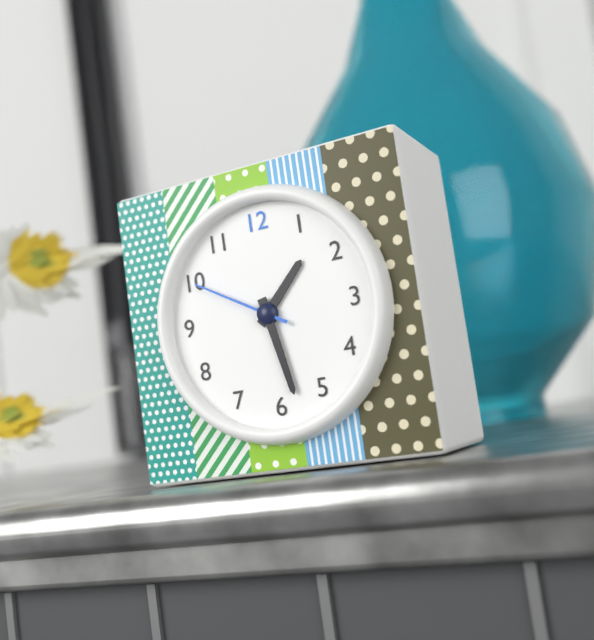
{"hour": 1, "minute": 28, "second": 50}
